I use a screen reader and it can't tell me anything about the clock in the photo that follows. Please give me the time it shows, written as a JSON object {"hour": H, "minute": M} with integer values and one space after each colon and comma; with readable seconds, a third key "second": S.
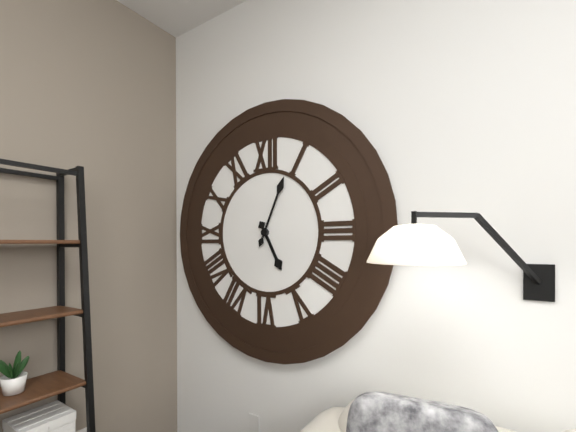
{"hour": 5, "minute": 4}
